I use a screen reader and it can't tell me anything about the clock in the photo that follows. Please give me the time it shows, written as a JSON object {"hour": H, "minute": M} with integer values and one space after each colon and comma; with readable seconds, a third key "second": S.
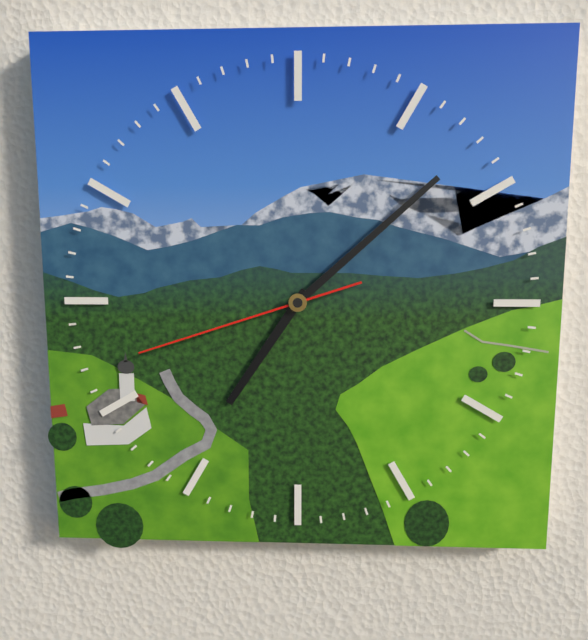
{"hour": 7, "minute": 8, "second": 42}
